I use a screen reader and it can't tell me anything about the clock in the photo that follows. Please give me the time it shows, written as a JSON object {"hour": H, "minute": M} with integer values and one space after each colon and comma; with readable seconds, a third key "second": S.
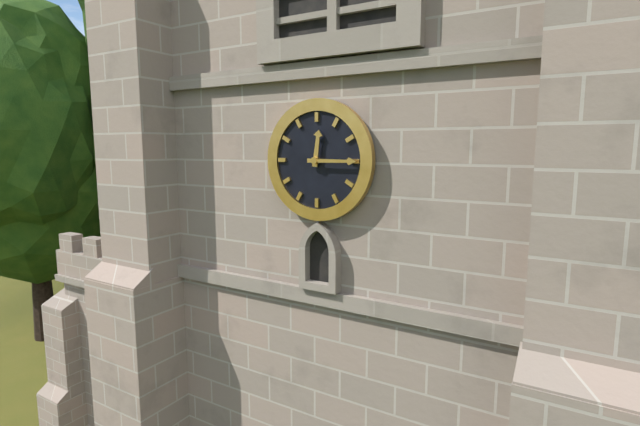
{"hour": 12, "minute": 15}
